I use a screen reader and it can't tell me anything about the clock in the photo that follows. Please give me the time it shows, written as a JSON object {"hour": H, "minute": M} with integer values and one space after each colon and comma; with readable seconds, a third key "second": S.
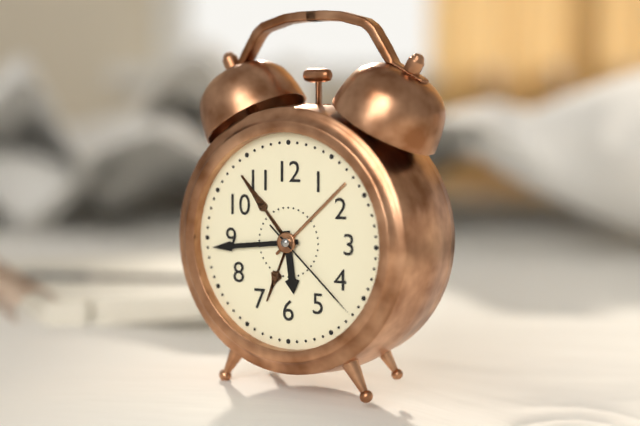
{"hour": 5, "minute": 44, "second": 22}
